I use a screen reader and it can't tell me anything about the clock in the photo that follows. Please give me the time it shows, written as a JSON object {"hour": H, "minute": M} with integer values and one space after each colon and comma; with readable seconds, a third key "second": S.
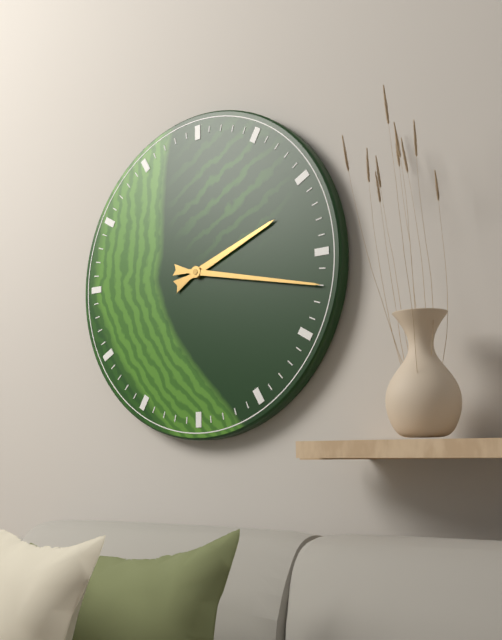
{"hour": 2, "minute": 17}
